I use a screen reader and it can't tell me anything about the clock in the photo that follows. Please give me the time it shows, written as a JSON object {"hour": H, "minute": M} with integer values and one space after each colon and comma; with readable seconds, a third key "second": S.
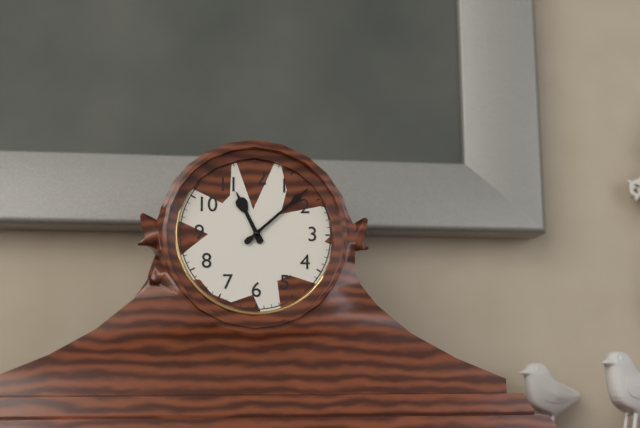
{"hour": 11, "minute": 8}
